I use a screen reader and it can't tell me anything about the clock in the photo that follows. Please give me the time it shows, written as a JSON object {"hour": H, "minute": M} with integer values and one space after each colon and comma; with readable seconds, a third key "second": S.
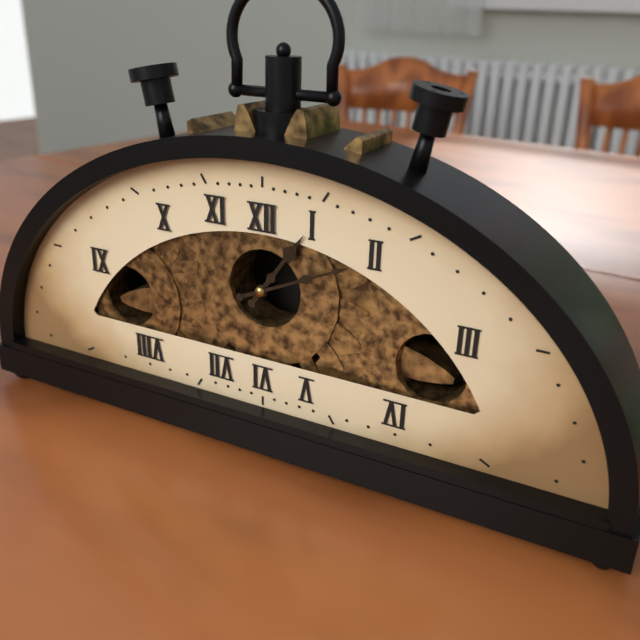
{"hour": 1, "minute": 11}
